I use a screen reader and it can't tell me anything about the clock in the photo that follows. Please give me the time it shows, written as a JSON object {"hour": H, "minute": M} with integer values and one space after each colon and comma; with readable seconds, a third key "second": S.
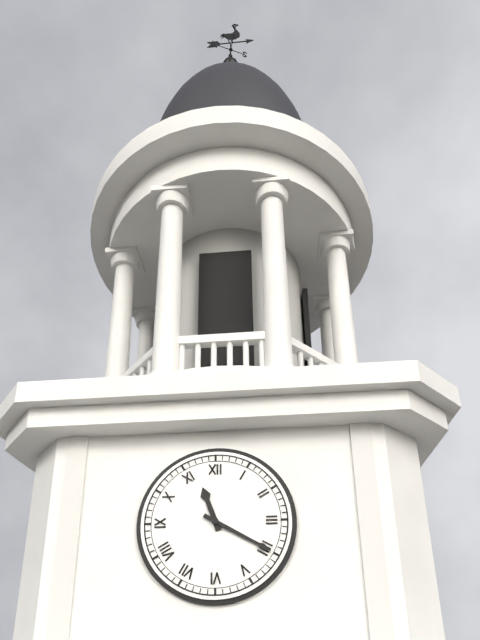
{"hour": 11, "minute": 20}
